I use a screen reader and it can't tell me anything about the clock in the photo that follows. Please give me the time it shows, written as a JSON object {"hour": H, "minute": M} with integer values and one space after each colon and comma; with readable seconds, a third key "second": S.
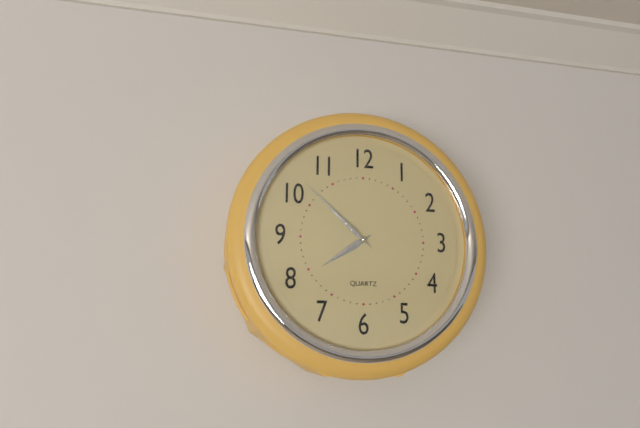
{"hour": 7, "minute": 52}
